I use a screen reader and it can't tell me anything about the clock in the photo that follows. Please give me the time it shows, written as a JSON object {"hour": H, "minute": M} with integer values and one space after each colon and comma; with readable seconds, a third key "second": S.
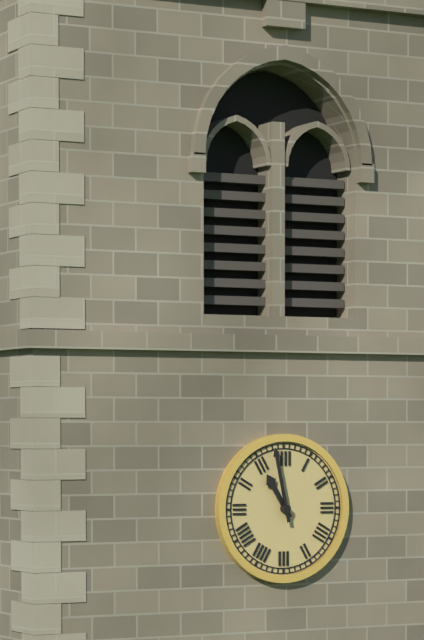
{"hour": 10, "minute": 58}
